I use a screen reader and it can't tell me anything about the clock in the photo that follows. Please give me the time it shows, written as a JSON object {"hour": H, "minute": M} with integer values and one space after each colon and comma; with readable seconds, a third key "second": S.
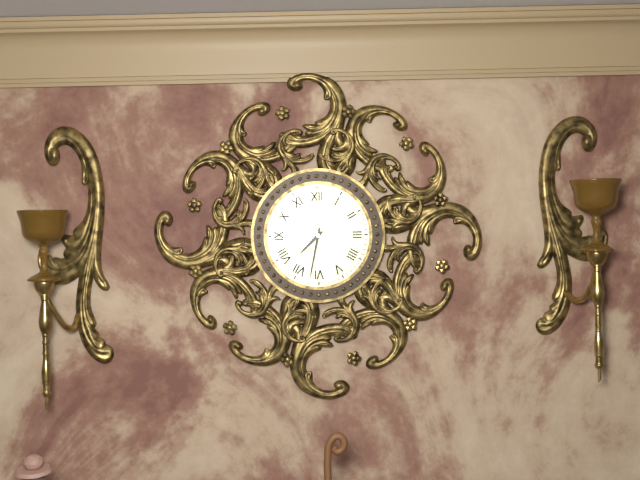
{"hour": 7, "minute": 32}
